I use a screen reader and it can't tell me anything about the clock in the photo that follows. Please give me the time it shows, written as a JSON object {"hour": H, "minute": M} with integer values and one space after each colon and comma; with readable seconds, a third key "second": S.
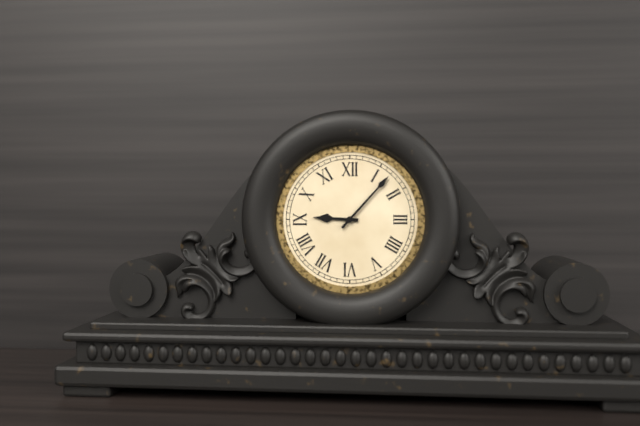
{"hour": 9, "minute": 7}
